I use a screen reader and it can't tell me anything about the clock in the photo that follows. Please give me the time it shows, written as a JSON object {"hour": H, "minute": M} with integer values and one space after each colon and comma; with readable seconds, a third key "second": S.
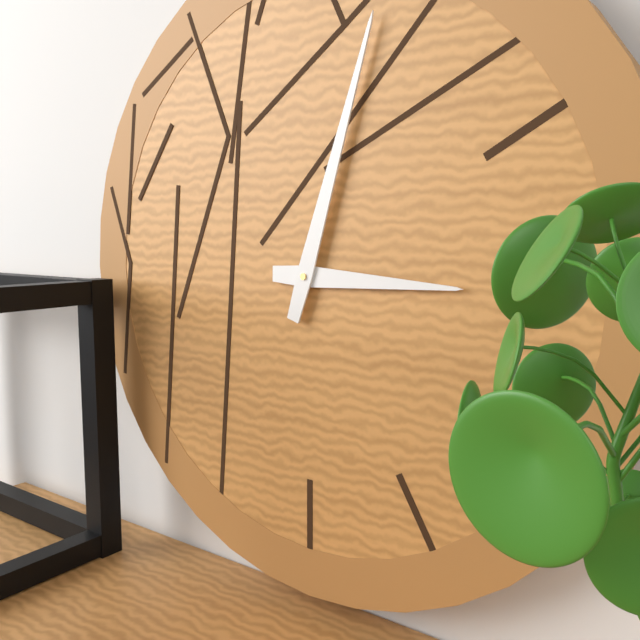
{"hour": 3, "minute": 3}
